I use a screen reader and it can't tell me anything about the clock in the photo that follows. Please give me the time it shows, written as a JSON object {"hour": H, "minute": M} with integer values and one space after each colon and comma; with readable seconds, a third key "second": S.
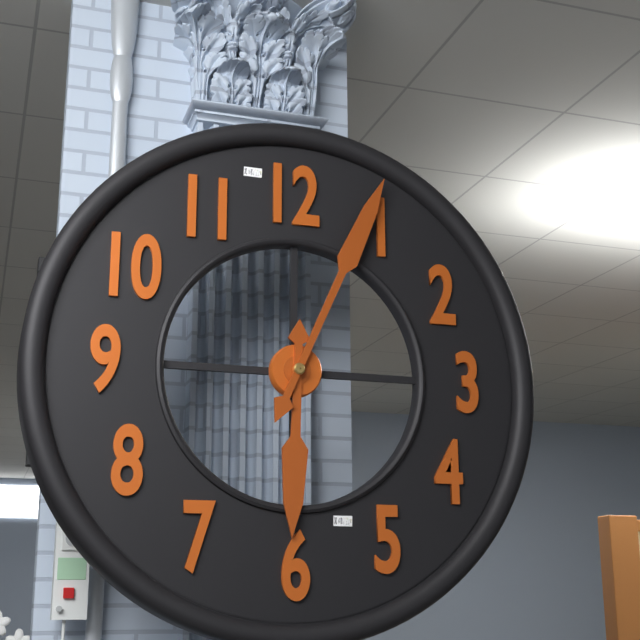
{"hour": 6, "minute": 4}
